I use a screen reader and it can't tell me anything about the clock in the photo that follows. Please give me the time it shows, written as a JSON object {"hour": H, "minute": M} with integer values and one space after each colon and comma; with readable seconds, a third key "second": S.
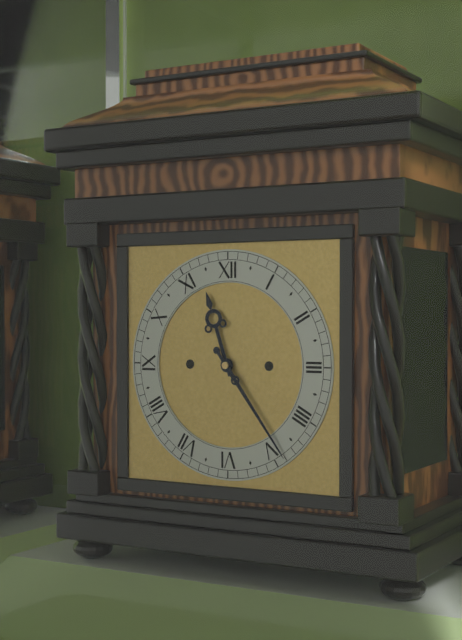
{"hour": 11, "minute": 24}
